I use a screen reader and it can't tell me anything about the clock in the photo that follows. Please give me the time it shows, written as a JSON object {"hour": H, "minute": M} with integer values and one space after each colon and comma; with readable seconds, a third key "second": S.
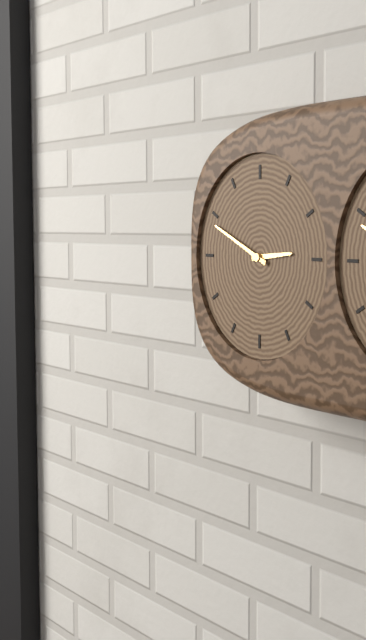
{"hour": 2, "minute": 49}
